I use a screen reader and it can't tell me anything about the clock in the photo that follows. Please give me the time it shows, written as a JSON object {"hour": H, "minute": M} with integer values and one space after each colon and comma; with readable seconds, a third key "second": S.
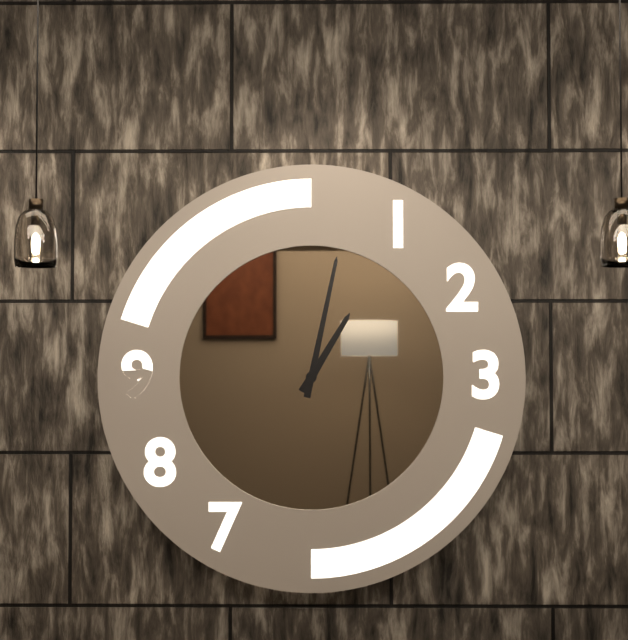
{"hour": 1, "minute": 2}
